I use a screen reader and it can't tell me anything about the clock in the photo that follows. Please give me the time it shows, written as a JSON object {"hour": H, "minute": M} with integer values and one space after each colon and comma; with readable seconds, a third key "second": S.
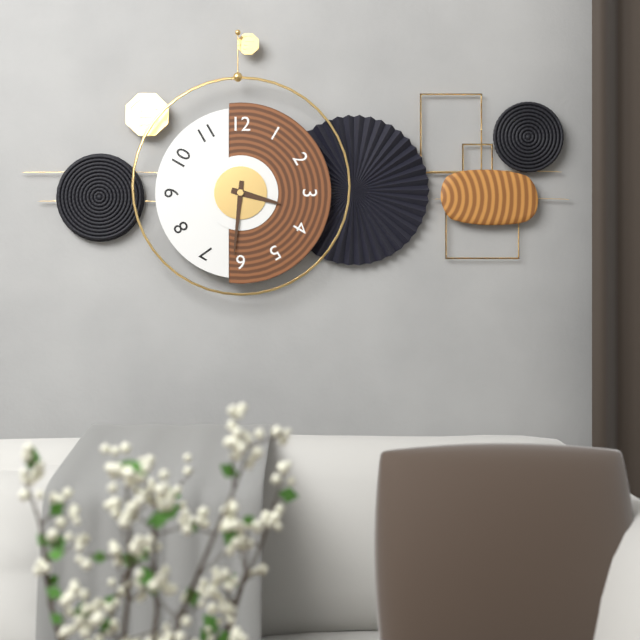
{"hour": 3, "minute": 31}
